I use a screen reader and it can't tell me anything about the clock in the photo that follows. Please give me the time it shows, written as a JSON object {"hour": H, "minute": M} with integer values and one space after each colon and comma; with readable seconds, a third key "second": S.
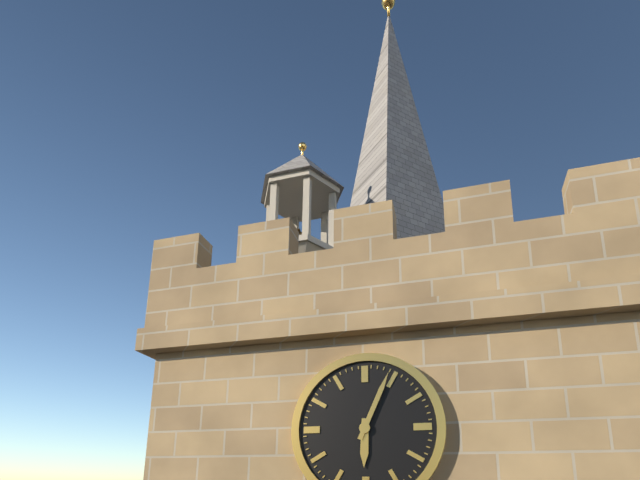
{"hour": 6, "minute": 4}
